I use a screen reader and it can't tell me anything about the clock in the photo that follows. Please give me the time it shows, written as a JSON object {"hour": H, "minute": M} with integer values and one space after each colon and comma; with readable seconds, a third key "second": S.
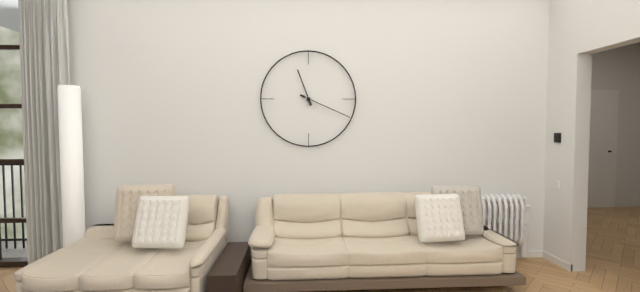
{"hour": 11, "minute": 19}
